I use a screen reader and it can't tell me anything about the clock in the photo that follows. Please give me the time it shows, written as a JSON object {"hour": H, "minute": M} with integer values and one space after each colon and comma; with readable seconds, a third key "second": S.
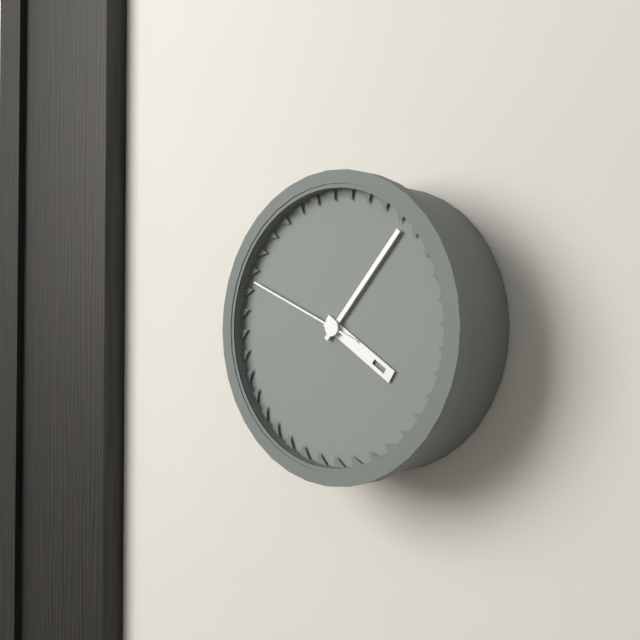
{"hour": 4, "minute": 7, "second": 49}
